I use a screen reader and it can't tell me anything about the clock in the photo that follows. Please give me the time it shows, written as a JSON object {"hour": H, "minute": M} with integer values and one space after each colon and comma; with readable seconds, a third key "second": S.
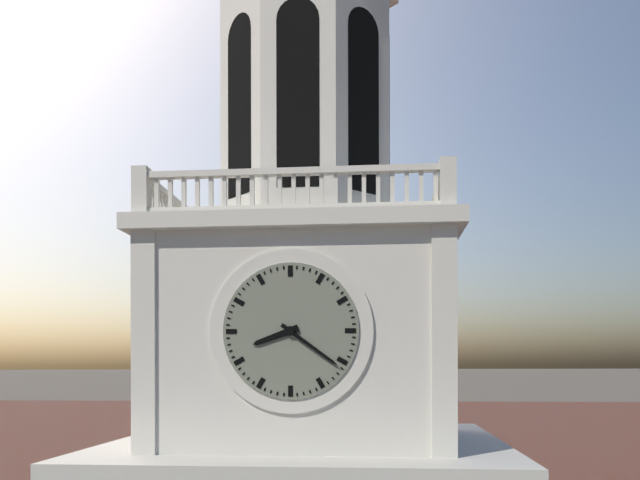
{"hour": 8, "minute": 21}
